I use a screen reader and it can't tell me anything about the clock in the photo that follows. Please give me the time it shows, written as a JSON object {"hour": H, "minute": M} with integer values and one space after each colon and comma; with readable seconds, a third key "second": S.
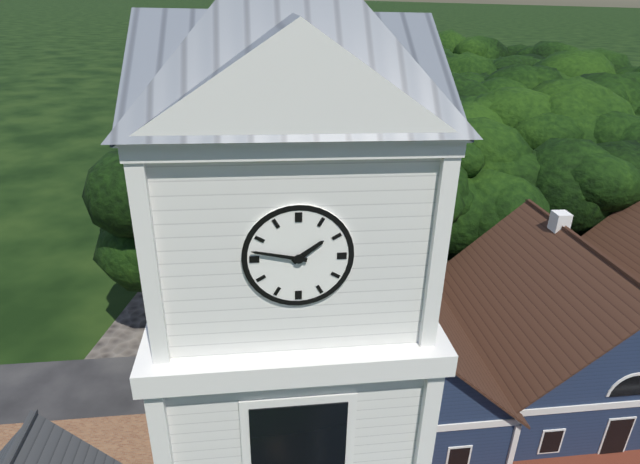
{"hour": 1, "minute": 47}
